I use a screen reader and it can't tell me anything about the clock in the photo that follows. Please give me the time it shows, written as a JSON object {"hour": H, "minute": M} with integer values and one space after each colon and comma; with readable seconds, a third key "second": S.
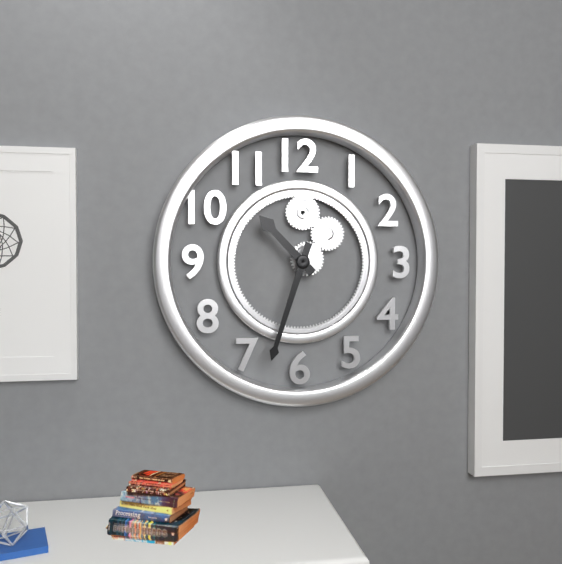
{"hour": 10, "minute": 33}
